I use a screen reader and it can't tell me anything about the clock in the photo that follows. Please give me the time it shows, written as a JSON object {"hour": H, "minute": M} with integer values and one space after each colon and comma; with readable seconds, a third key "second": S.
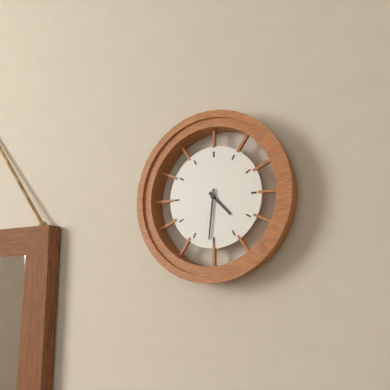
{"hour": 4, "minute": 31}
